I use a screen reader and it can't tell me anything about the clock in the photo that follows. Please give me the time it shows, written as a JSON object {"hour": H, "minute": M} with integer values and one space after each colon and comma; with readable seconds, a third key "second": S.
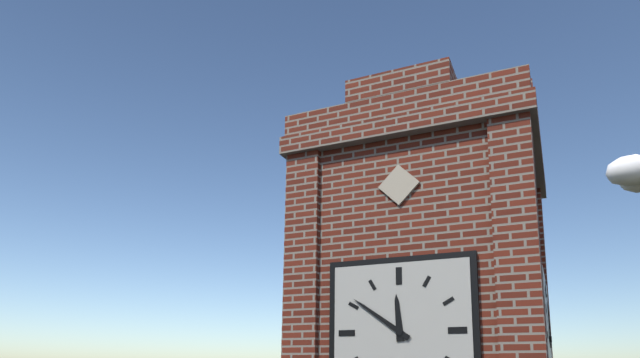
{"hour": 11, "minute": 51}
